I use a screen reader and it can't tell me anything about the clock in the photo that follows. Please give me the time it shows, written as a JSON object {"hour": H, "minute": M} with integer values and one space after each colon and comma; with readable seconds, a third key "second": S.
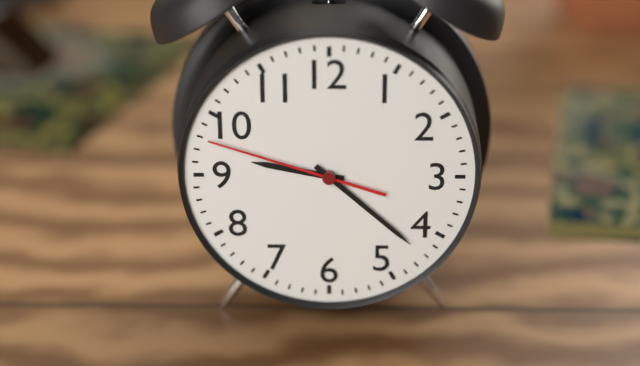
{"hour": 9, "minute": 22, "second": 48}
